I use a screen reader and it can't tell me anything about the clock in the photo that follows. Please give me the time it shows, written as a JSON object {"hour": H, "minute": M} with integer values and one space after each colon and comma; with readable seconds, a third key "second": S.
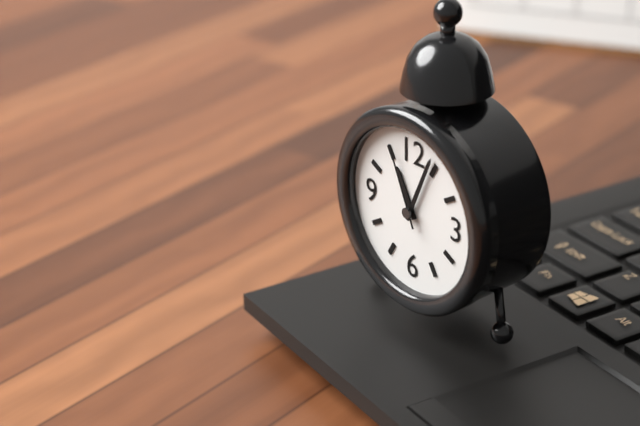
{"hour": 11, "minute": 4, "second": 56}
